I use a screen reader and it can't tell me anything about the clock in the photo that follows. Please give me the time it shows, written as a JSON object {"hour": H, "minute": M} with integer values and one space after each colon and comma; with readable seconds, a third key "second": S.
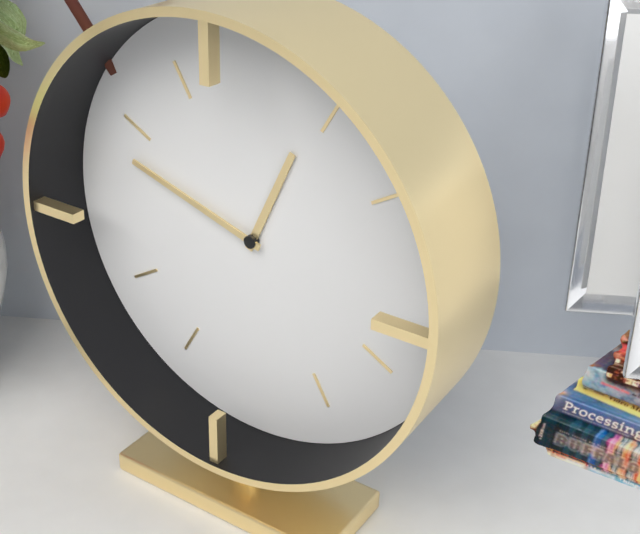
{"hour": 12, "minute": 48}
